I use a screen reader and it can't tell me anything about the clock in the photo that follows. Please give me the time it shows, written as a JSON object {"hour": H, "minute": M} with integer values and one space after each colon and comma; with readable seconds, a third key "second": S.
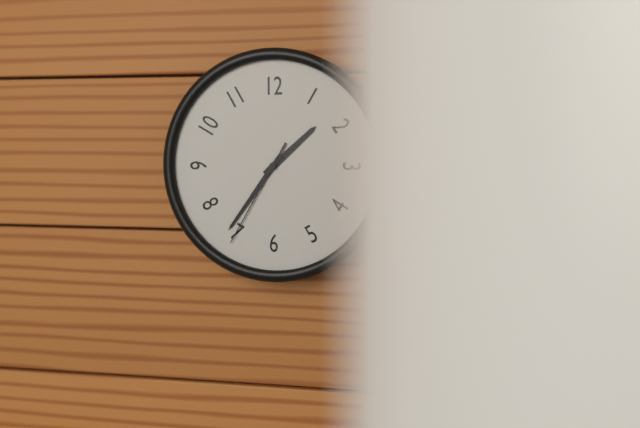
{"hour": 1, "minute": 36, "second": 35}
